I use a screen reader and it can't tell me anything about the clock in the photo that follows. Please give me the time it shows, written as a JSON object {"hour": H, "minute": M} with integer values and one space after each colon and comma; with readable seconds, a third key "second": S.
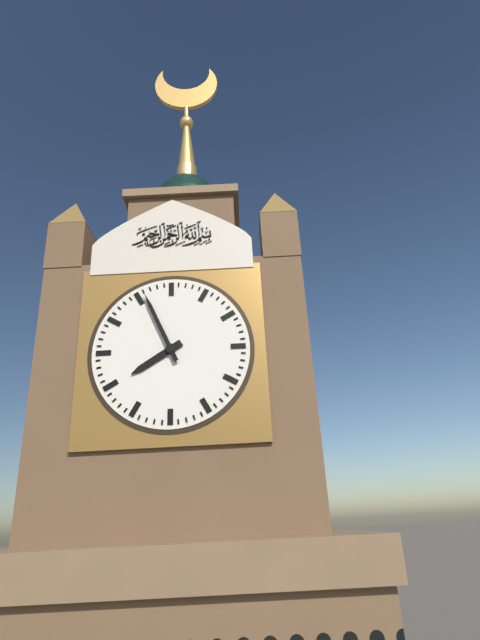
{"hour": 7, "minute": 56}
